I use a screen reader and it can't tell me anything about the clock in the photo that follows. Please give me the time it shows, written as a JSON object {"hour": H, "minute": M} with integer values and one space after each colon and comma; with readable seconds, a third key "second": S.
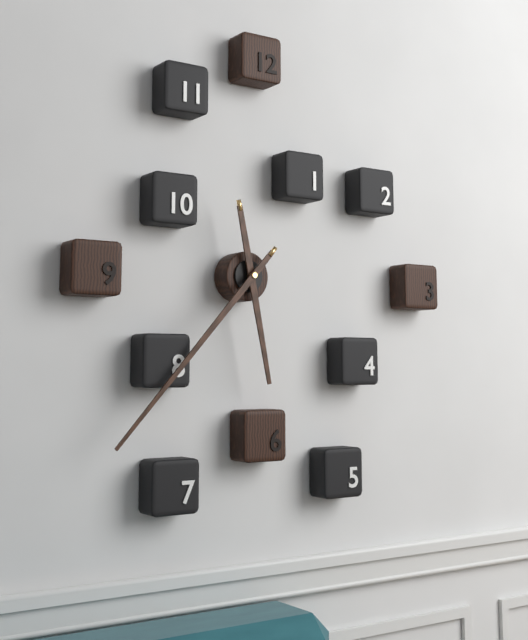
{"hour": 5, "minute": 37}
